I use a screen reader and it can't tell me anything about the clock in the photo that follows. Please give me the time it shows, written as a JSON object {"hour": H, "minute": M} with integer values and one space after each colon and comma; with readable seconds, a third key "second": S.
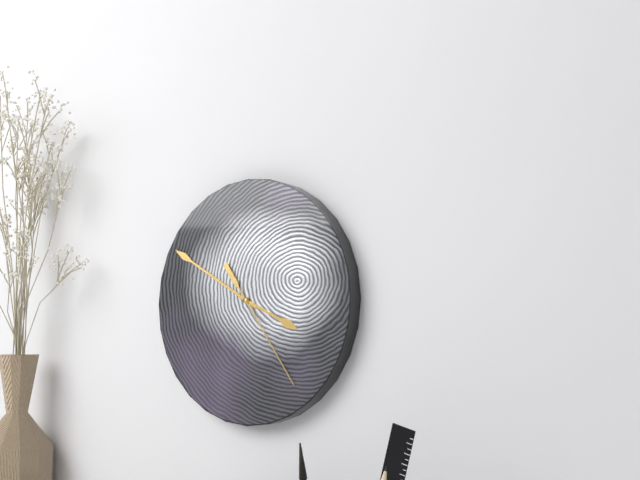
{"hour": 3, "minute": 50, "second": 24}
